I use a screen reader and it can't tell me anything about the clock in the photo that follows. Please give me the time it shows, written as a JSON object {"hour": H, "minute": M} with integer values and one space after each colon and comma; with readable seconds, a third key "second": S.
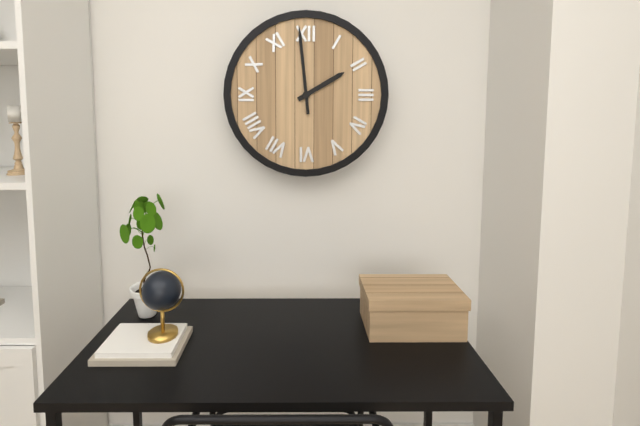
{"hour": 1, "minute": 59}
